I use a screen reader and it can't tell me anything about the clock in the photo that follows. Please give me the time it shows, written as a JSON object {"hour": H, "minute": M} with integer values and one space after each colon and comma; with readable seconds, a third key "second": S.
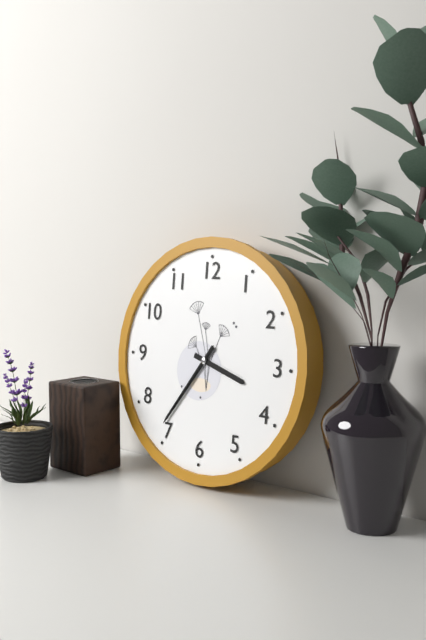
{"hour": 3, "minute": 36, "second": 36}
